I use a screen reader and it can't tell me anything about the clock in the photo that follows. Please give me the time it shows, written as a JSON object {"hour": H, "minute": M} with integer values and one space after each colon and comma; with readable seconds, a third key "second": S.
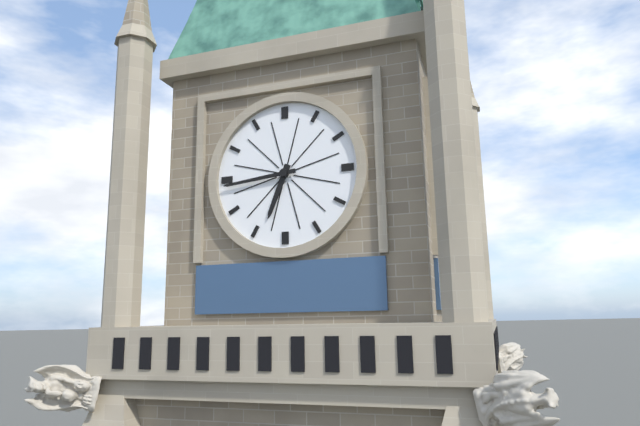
{"hour": 6, "minute": 44}
